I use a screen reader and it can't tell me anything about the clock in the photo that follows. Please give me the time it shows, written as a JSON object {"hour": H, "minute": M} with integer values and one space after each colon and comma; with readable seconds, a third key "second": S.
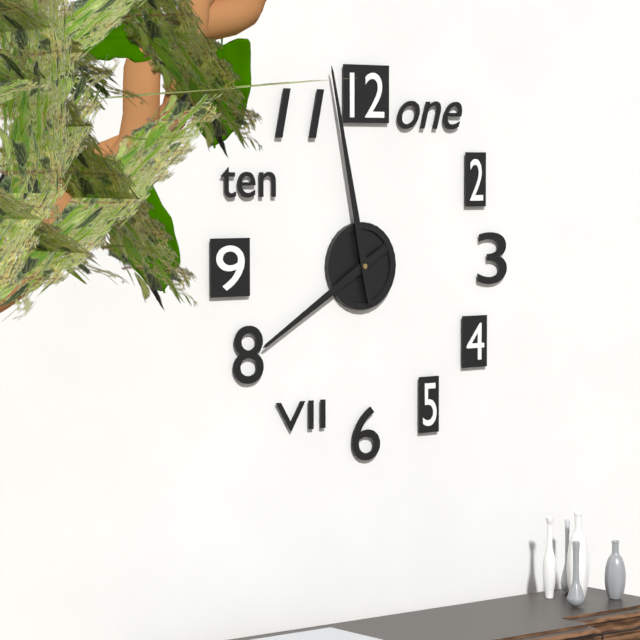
{"hour": 7, "minute": 58}
